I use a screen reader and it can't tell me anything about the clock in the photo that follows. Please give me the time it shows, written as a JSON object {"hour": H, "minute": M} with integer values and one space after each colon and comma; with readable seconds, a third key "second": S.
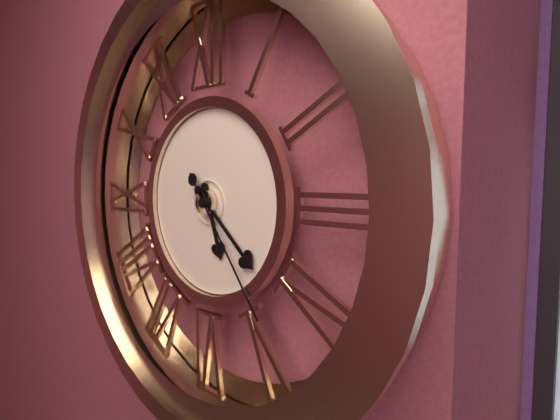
{"hour": 5, "minute": 22, "second": 24}
